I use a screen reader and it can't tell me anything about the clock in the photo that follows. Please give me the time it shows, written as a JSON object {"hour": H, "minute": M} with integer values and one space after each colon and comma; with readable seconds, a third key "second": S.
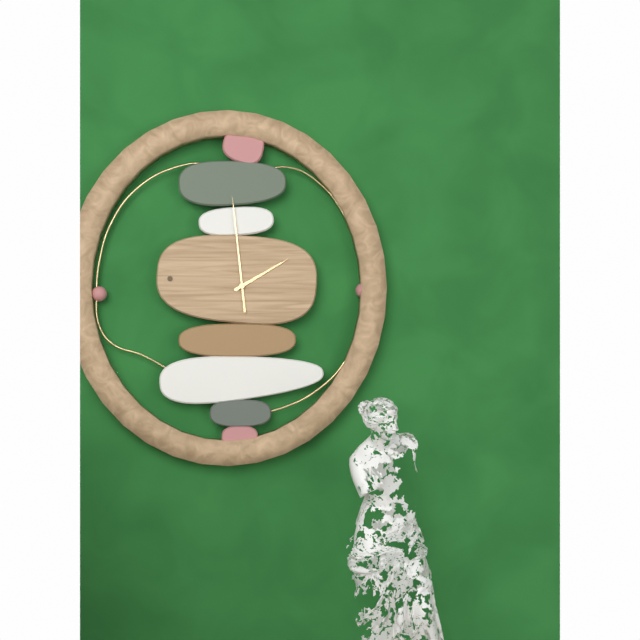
{"hour": 1, "minute": 59}
